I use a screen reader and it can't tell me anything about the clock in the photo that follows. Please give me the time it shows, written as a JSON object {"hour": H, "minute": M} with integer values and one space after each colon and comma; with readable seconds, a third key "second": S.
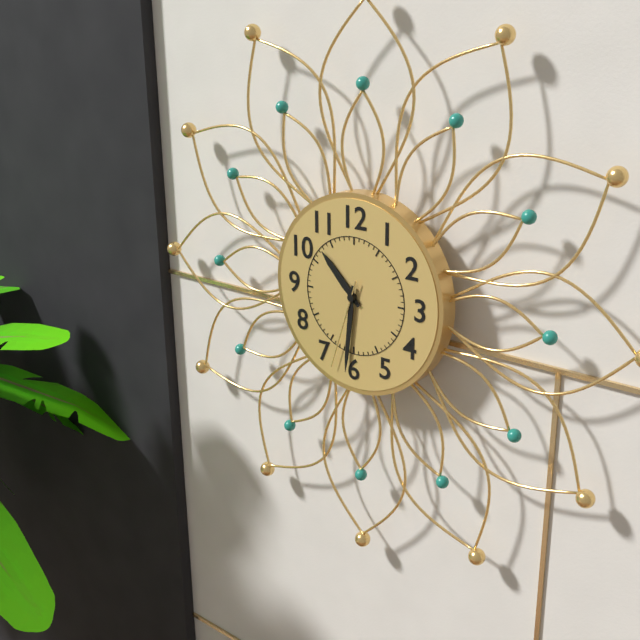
{"hour": 10, "minute": 31, "second": 33}
